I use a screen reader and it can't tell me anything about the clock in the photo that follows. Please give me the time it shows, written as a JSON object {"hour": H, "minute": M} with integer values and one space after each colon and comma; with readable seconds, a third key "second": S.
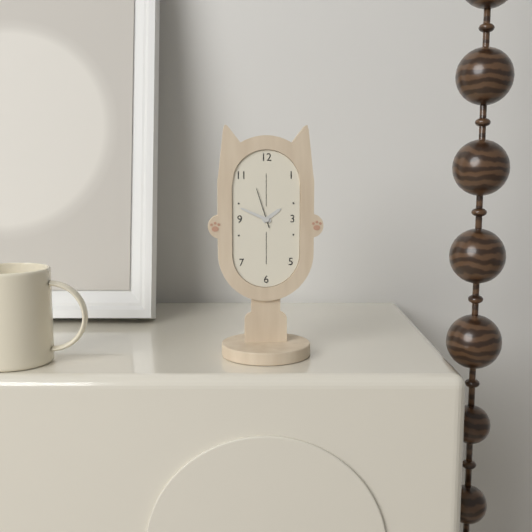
{"hour": 1, "minute": 49}
